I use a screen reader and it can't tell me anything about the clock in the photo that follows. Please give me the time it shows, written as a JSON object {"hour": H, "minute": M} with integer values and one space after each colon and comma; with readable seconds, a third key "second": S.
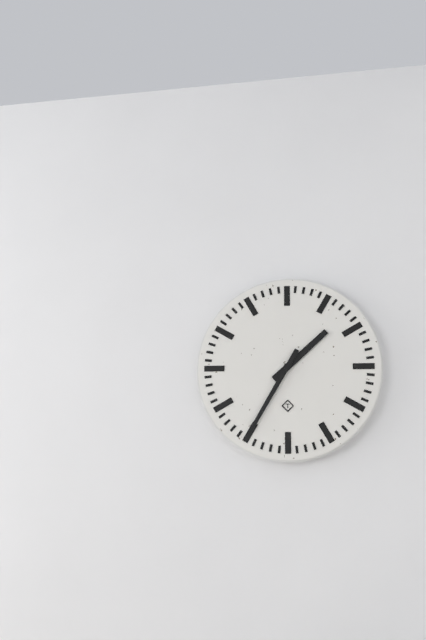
{"hour": 1, "minute": 35}
